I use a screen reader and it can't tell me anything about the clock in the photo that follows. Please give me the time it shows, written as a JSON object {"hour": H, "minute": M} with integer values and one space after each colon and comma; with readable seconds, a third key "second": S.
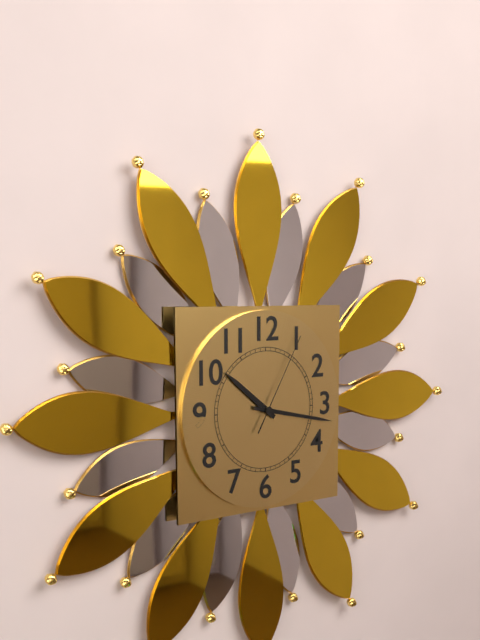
{"hour": 10, "minute": 17, "second": 5}
